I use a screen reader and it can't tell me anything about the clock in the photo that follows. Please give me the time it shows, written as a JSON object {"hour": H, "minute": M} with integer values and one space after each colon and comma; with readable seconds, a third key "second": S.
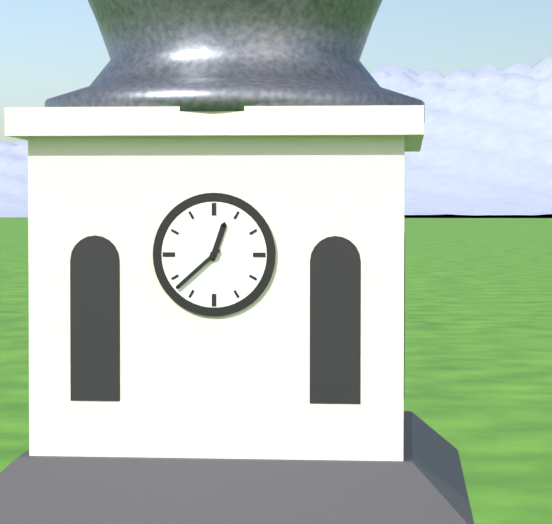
{"hour": 12, "minute": 38}
